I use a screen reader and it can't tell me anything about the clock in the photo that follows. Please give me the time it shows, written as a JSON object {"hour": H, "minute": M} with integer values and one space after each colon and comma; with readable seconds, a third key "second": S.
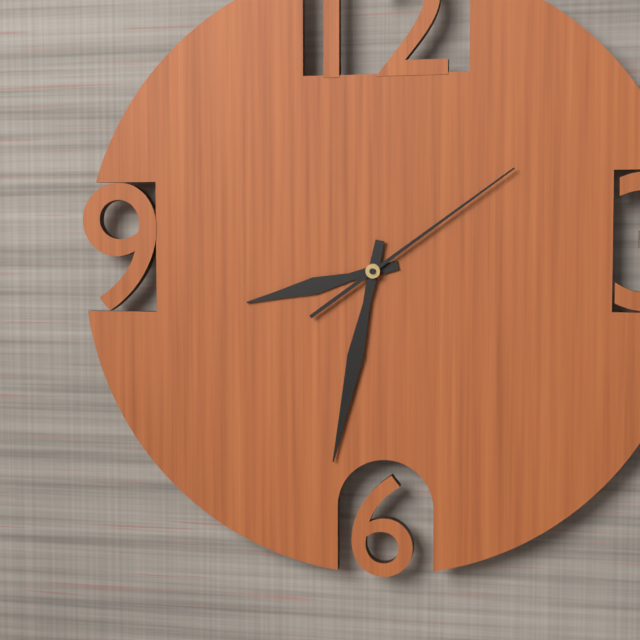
{"hour": 8, "minute": 32, "second": 9}
